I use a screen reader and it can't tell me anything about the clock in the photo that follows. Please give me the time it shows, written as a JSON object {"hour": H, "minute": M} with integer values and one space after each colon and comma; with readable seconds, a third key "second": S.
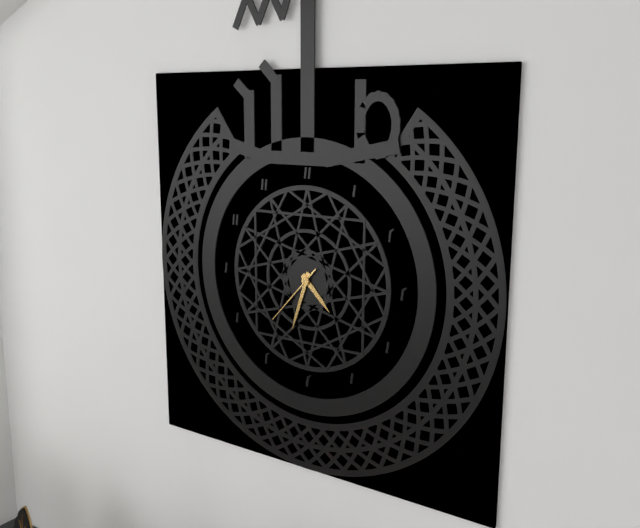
{"hour": 4, "minute": 33, "second": 37}
